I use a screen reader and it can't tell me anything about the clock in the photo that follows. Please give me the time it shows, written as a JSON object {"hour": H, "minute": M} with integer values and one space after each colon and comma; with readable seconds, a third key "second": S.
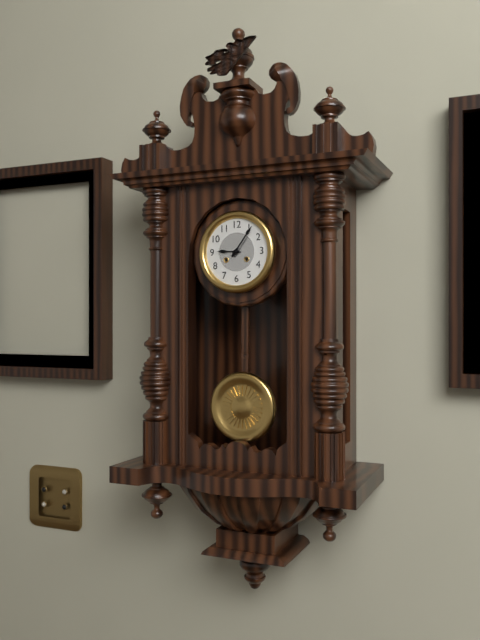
{"hour": 9, "minute": 6}
